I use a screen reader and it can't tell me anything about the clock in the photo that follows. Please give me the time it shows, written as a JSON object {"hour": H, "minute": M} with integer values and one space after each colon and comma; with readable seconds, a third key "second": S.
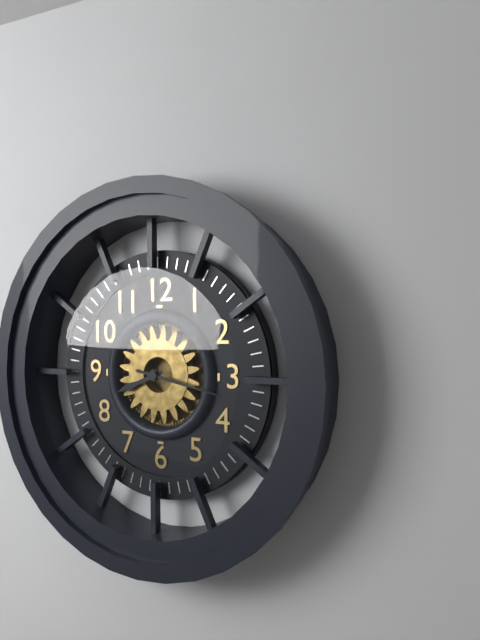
{"hour": 8, "minute": 17}
